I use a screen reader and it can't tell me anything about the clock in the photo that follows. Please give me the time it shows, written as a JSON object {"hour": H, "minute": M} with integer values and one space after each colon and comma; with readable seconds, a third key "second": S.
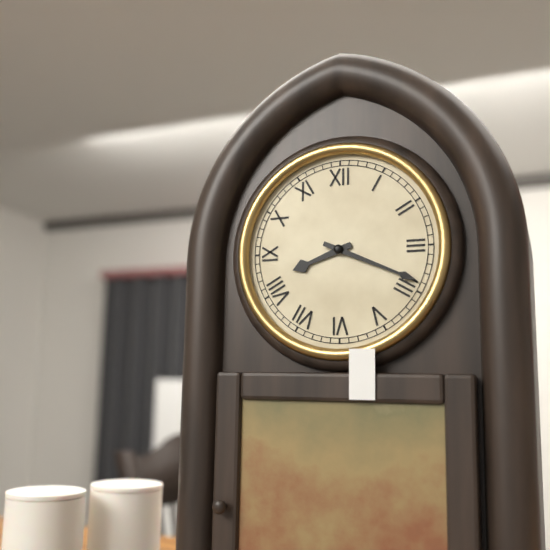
{"hour": 8, "minute": 19}
